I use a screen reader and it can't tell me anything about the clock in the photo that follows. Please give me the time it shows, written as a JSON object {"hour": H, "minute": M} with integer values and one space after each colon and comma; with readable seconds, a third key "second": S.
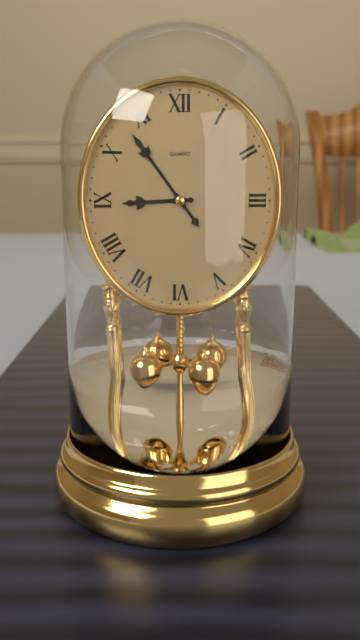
{"hour": 8, "minute": 54}
